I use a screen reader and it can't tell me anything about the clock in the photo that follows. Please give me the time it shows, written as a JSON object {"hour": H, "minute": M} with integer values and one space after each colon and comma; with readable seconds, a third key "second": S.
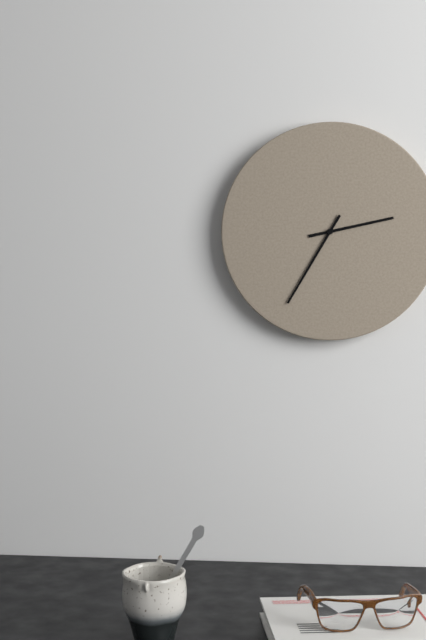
{"hour": 2, "minute": 35}
